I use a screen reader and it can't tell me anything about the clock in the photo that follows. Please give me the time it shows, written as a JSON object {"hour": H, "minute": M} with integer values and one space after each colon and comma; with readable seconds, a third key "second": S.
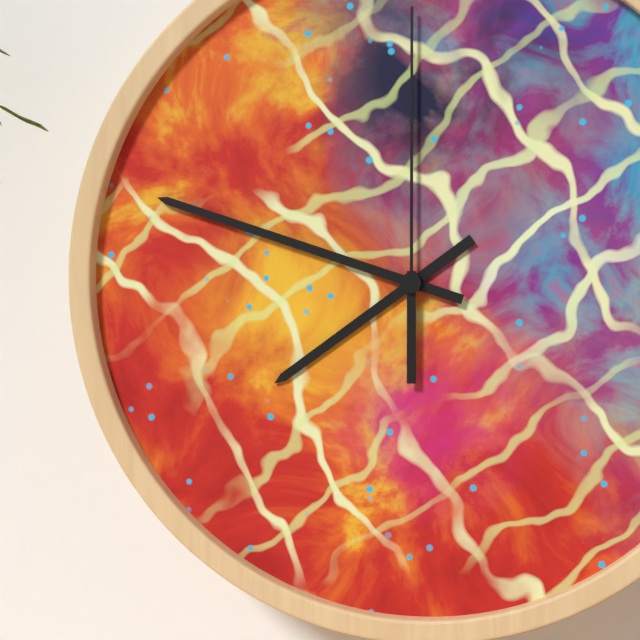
{"hour": 7, "minute": 48, "second": 0}
